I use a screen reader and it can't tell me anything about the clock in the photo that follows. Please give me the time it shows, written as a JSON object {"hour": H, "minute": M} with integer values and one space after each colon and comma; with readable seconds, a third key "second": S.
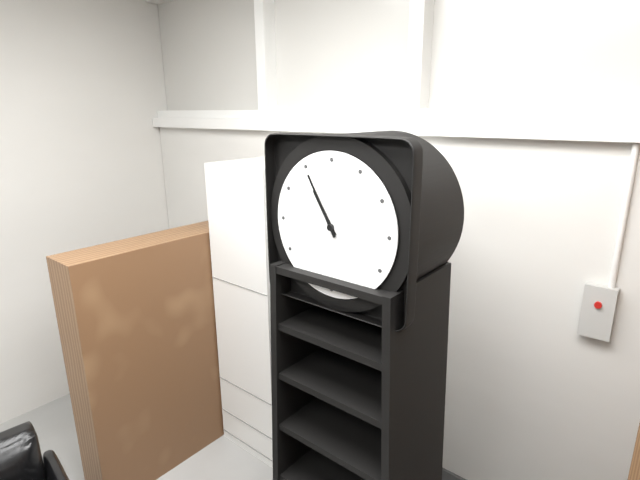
{"hour": 10, "minute": 55}
